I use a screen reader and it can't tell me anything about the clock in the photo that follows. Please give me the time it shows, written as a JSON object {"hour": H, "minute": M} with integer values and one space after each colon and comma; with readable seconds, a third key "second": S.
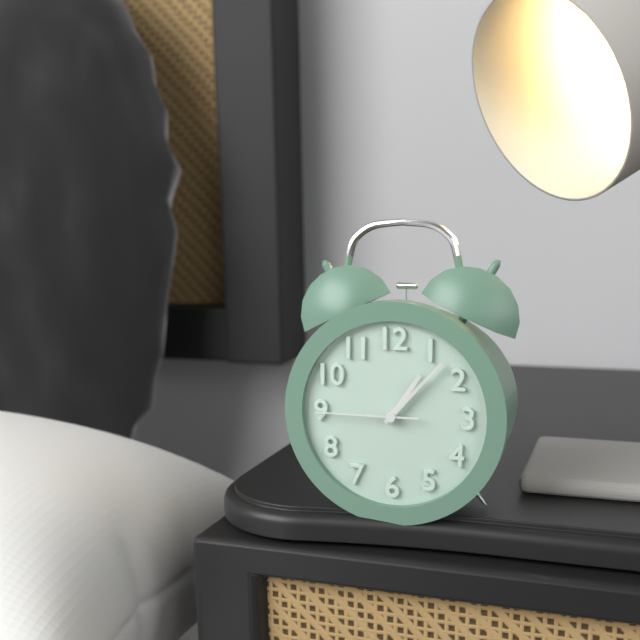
{"hour": 1, "minute": 7, "second": 45}
